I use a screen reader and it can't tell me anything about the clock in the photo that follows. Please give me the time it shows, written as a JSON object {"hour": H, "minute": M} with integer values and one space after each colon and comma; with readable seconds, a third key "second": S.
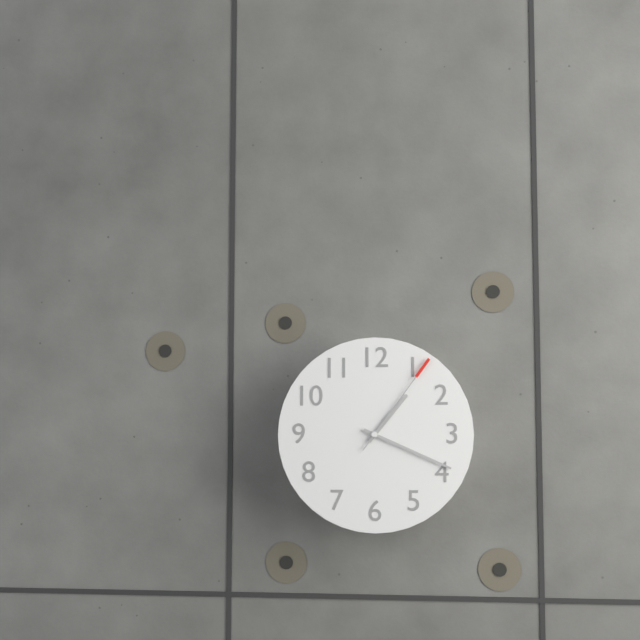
{"hour": 1, "minute": 19, "second": 6}
